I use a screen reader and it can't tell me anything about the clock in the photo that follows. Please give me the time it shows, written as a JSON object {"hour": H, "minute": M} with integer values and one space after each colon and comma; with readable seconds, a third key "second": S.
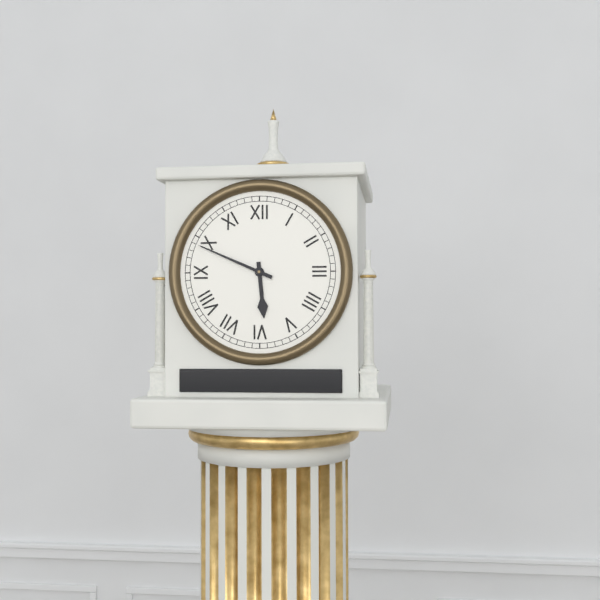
{"hour": 5, "minute": 49}
